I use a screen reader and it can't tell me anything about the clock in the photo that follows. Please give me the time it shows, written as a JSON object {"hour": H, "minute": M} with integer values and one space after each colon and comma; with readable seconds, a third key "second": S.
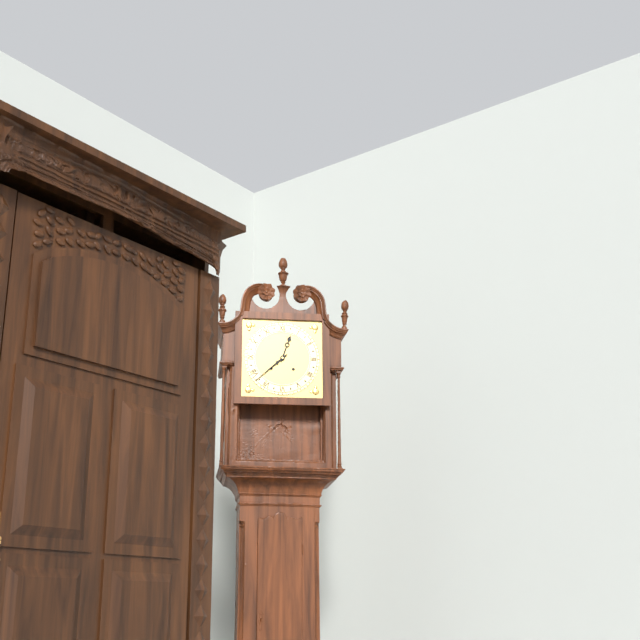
{"hour": 12, "minute": 38}
